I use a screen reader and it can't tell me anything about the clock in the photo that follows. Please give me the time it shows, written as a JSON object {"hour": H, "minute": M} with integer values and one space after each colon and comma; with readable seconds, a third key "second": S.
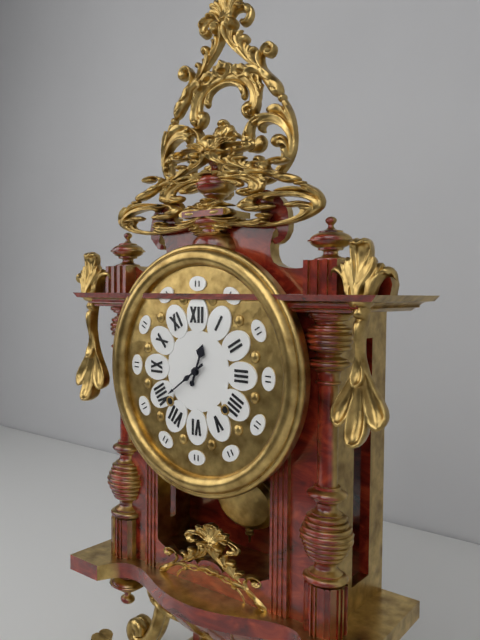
{"hour": 12, "minute": 39}
